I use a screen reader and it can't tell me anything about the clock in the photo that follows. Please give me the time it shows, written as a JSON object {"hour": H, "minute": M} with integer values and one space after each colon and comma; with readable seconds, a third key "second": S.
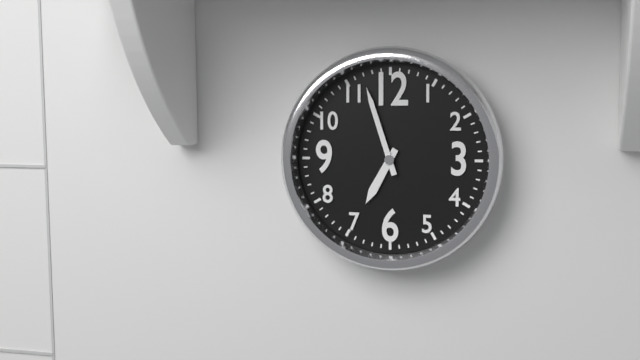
{"hour": 6, "minute": 57}
